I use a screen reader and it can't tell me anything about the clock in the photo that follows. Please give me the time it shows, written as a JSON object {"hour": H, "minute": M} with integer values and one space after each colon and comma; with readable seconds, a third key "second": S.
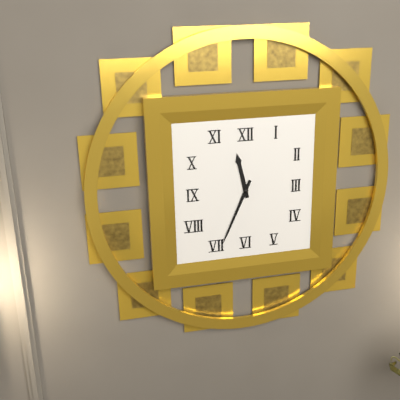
{"hour": 11, "minute": 34}
